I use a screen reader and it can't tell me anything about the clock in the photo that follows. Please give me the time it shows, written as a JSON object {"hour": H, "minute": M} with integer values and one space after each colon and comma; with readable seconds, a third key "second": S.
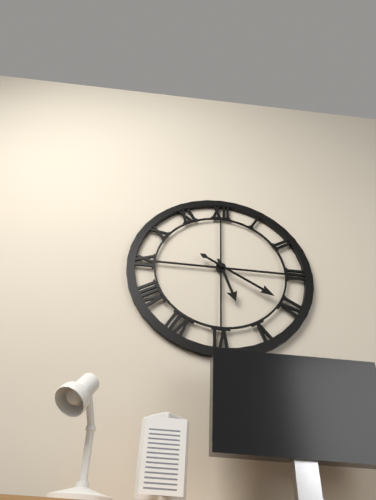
{"hour": 5, "minute": 20}
